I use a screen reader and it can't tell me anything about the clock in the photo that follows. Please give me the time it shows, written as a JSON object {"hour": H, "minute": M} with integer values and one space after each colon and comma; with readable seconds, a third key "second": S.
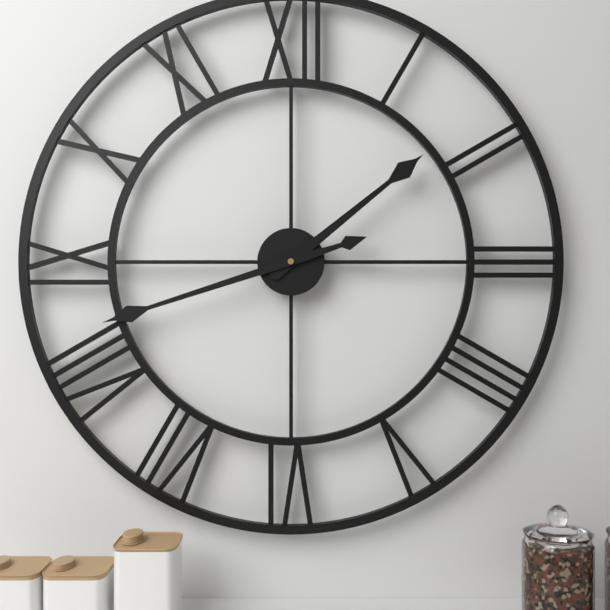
{"hour": 1, "minute": 42}
